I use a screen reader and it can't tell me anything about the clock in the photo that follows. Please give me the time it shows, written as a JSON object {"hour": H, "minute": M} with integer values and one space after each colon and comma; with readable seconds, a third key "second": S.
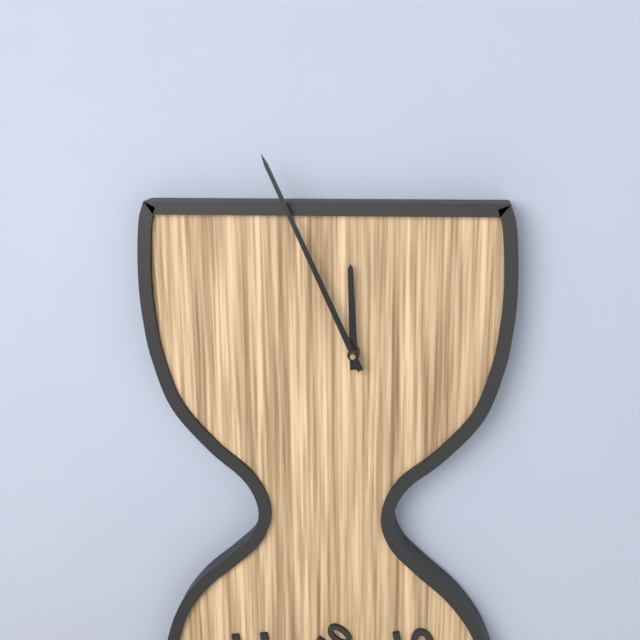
{"hour": 11, "minute": 56}
